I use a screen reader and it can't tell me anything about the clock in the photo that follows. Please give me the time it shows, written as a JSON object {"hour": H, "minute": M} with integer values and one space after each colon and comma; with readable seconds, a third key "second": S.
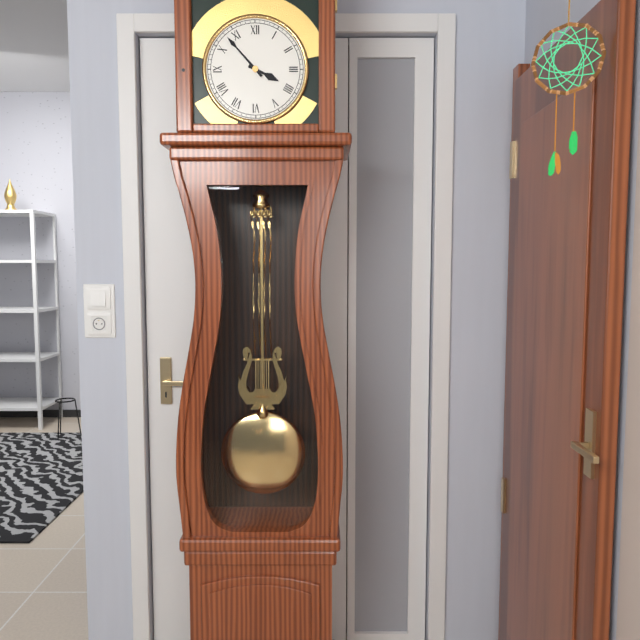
{"hour": 3, "minute": 53}
